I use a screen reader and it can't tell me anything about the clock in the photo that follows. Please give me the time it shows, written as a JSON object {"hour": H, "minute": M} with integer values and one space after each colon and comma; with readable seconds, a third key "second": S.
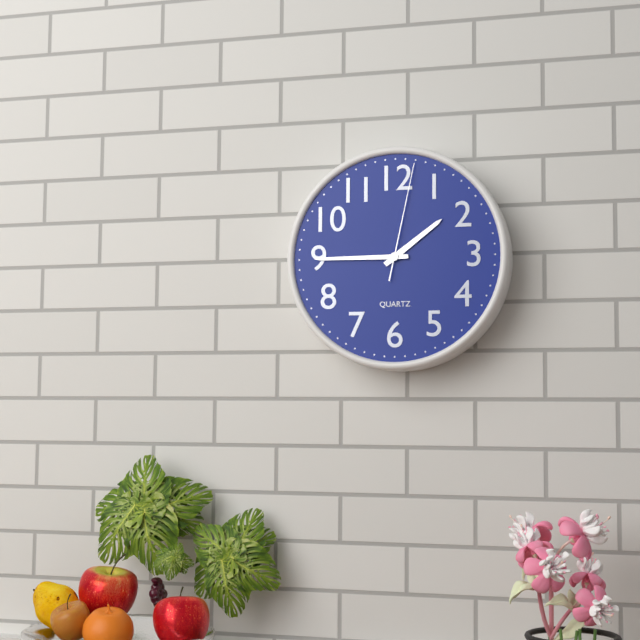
{"hour": 1, "minute": 45, "second": 2}
